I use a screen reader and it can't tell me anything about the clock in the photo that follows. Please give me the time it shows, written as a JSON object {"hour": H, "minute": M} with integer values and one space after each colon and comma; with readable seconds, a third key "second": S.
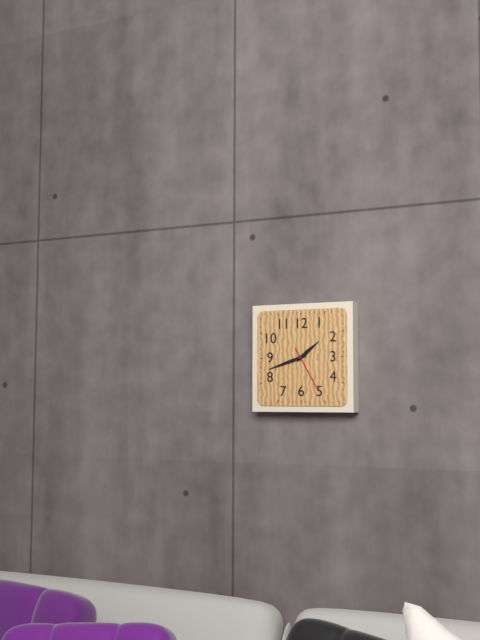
{"hour": 1, "minute": 42}
